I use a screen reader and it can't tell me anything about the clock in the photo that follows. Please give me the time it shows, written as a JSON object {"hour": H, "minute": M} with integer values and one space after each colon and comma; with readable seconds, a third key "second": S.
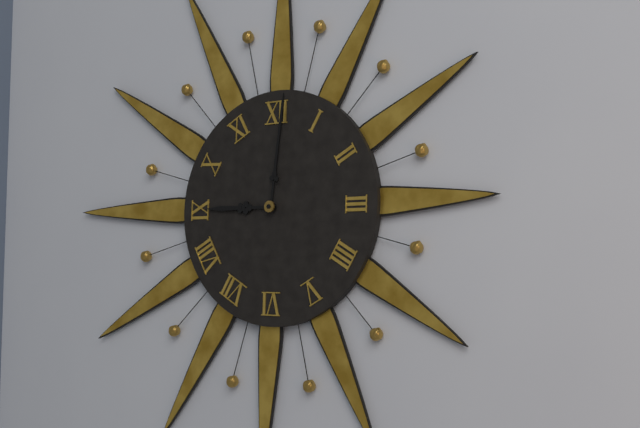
{"hour": 9, "minute": 1}
